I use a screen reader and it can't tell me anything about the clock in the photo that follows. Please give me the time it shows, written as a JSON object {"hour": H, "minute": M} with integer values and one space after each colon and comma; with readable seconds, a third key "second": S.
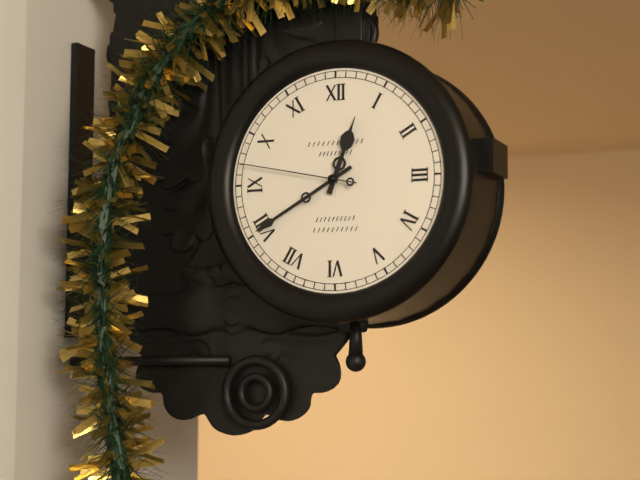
{"hour": 12, "minute": 40, "second": 47}
